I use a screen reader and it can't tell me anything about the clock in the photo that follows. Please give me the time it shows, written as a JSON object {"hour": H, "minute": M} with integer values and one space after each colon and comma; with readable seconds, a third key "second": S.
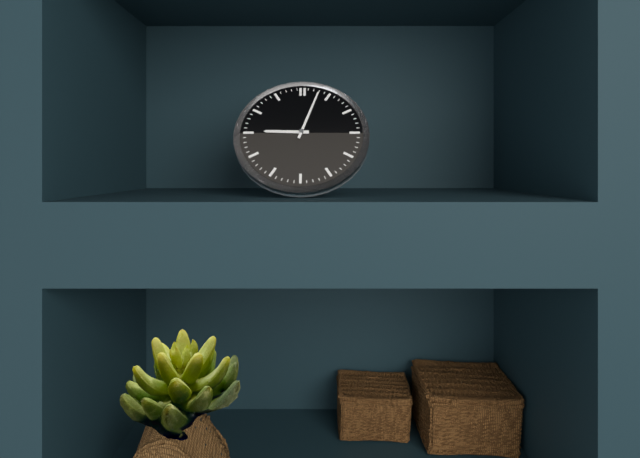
{"hour": 9, "minute": 3}
